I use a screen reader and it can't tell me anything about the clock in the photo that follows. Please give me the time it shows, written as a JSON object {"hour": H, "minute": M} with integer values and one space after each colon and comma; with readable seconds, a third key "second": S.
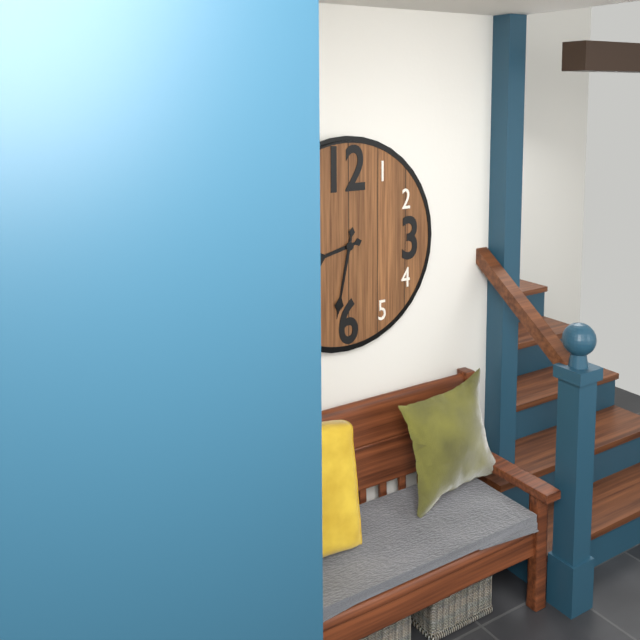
{"hour": 8, "minute": 32}
